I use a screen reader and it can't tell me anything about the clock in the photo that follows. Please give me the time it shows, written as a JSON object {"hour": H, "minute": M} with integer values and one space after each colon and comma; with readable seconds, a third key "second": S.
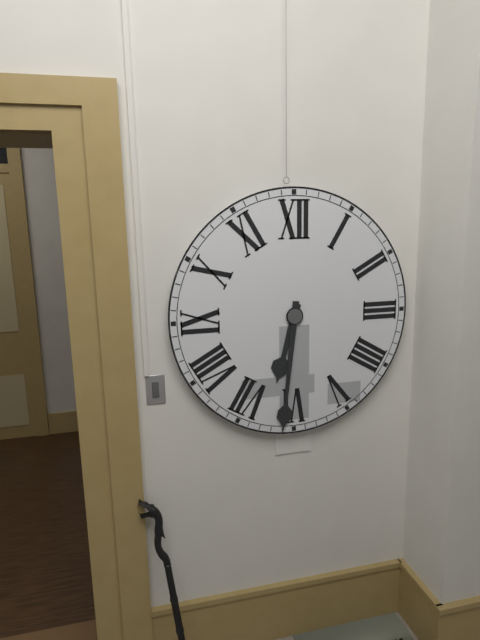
{"hour": 6, "minute": 31}
